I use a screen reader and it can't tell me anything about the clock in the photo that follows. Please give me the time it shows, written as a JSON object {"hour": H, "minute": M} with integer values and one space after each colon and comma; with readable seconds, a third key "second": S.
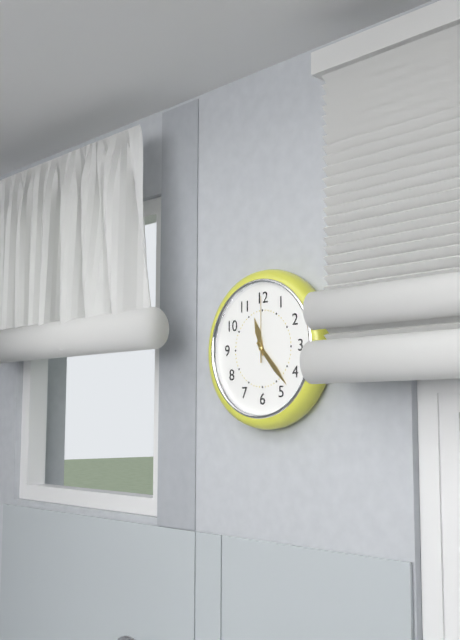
{"hour": 11, "minute": 23, "second": 0}
